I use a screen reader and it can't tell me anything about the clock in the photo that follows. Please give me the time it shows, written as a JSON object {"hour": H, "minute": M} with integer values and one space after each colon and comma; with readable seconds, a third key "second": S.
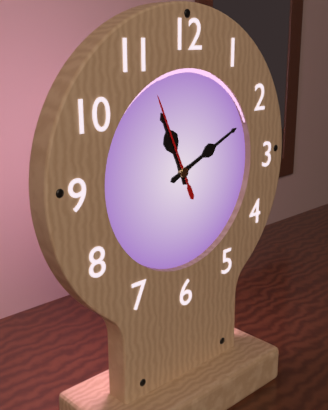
{"hour": 11, "minute": 11, "second": 56}
